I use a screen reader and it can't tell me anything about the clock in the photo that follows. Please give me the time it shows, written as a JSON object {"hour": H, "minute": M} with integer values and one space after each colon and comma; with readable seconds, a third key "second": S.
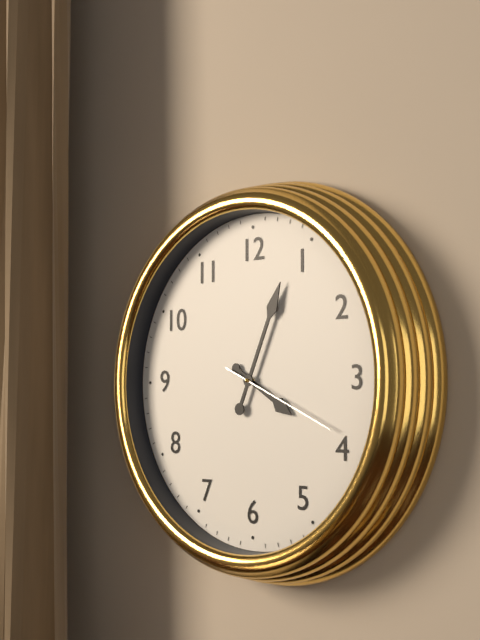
{"hour": 4, "minute": 4, "second": 19}
